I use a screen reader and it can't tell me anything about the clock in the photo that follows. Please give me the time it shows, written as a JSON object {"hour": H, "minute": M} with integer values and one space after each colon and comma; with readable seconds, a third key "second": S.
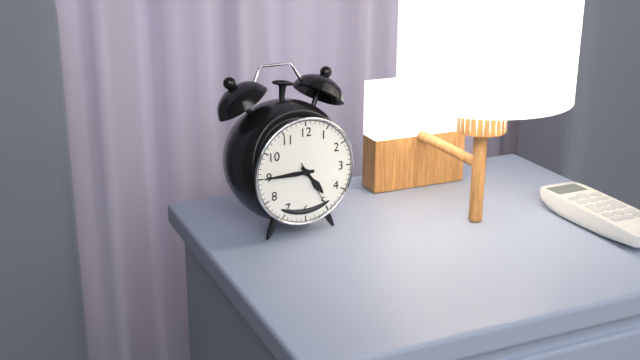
{"hour": 4, "minute": 45, "second": 25}
